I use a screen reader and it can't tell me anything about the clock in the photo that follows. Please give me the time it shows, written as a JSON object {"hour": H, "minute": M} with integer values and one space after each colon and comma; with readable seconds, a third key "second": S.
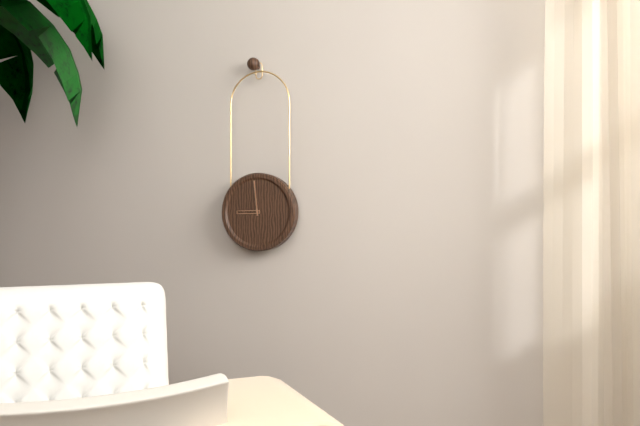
{"hour": 8, "minute": 59}
